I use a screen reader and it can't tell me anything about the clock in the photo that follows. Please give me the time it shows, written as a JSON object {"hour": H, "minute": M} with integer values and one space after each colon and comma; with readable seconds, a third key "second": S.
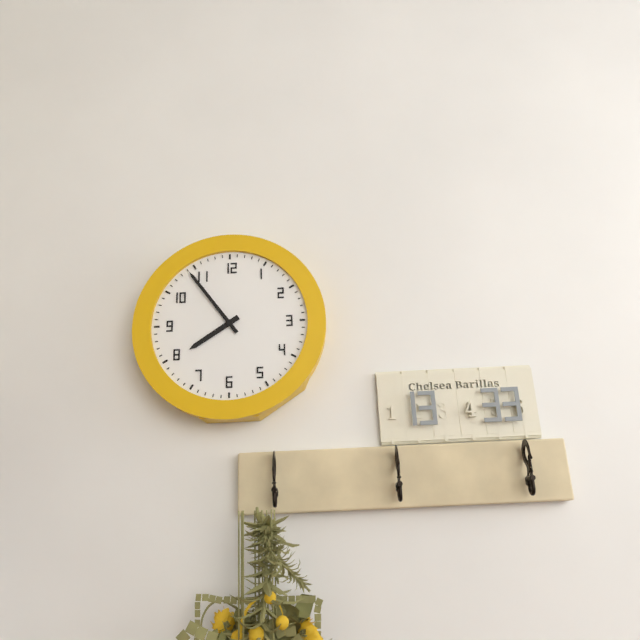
{"hour": 7, "minute": 54}
